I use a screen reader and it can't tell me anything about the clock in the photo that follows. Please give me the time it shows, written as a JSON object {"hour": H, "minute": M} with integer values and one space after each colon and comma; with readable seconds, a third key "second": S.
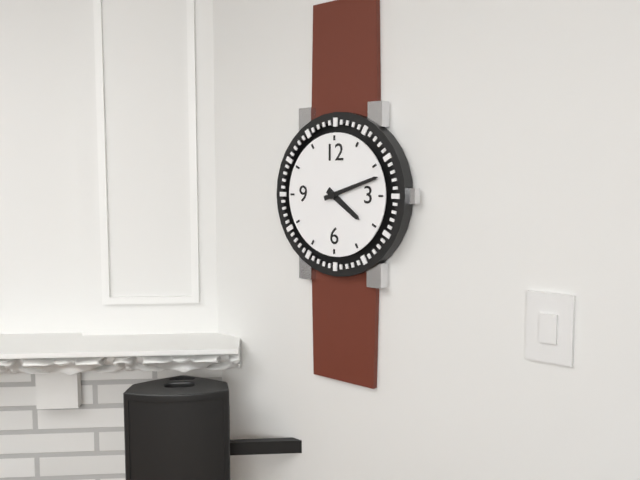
{"hour": 4, "minute": 12}
